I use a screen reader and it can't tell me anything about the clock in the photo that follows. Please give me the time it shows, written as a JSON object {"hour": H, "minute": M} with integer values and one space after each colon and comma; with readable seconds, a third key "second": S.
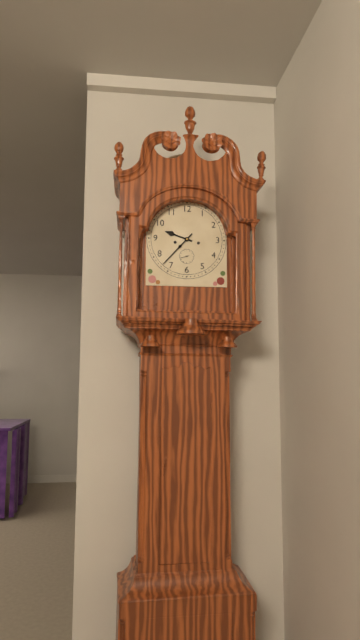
{"hour": 9, "minute": 37}
